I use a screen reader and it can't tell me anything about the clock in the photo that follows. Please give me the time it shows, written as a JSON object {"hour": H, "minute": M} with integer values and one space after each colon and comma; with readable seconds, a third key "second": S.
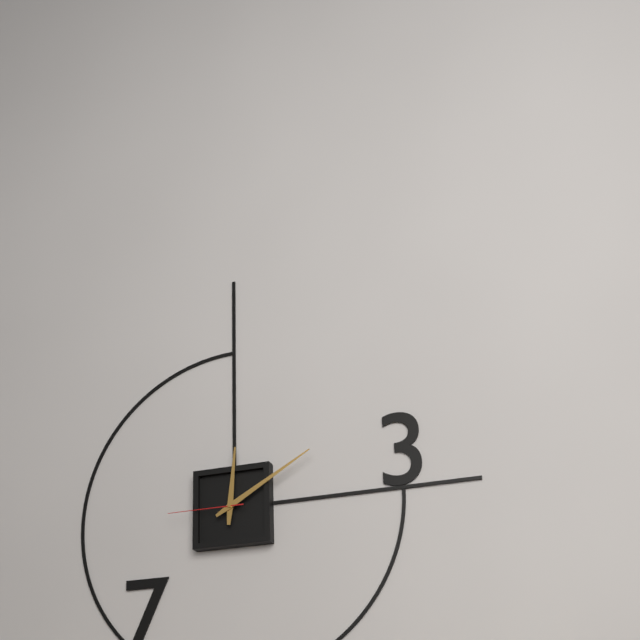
{"hour": 12, "minute": 10, "second": 45}
